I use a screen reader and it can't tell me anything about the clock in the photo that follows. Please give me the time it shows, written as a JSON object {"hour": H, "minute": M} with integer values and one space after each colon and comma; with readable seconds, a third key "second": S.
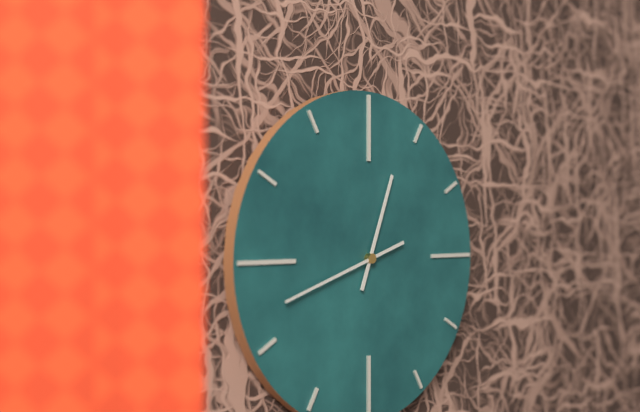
{"hour": 12, "minute": 42}
